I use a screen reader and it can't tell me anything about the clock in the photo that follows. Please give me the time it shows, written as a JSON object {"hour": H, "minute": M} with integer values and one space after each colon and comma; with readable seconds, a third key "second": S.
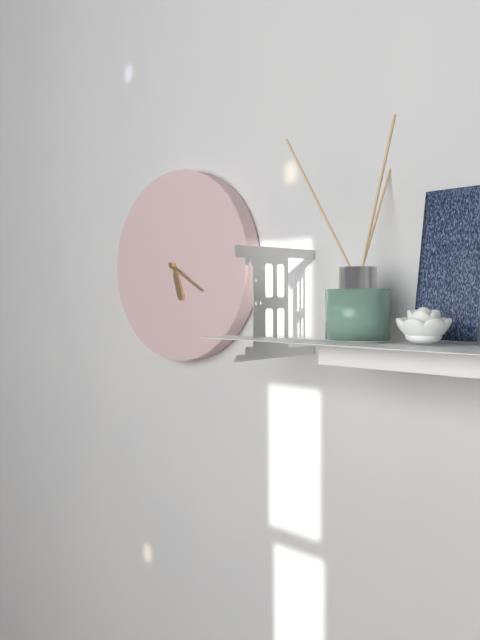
{"hour": 5, "minute": 20}
